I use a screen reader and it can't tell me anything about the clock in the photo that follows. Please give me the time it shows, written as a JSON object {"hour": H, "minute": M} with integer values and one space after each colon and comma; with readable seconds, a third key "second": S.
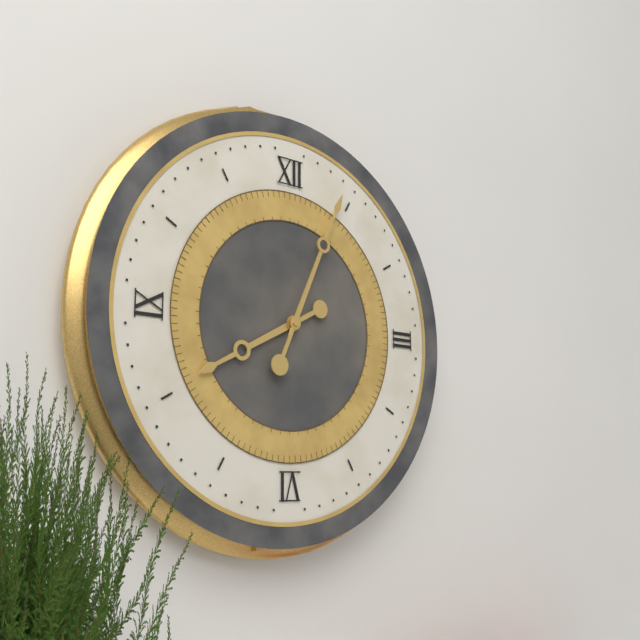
{"hour": 8, "minute": 4}
